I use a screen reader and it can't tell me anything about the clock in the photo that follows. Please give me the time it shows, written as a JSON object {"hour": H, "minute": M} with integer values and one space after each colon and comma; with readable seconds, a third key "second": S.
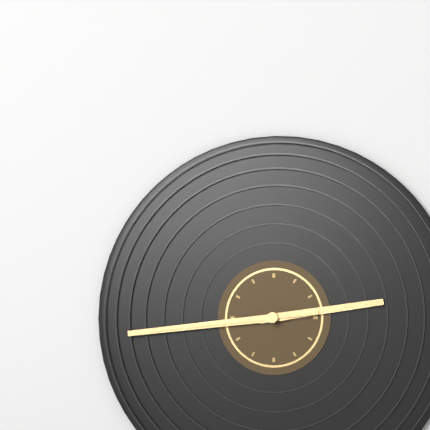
{"hour": 2, "minute": 44, "second": 44}
